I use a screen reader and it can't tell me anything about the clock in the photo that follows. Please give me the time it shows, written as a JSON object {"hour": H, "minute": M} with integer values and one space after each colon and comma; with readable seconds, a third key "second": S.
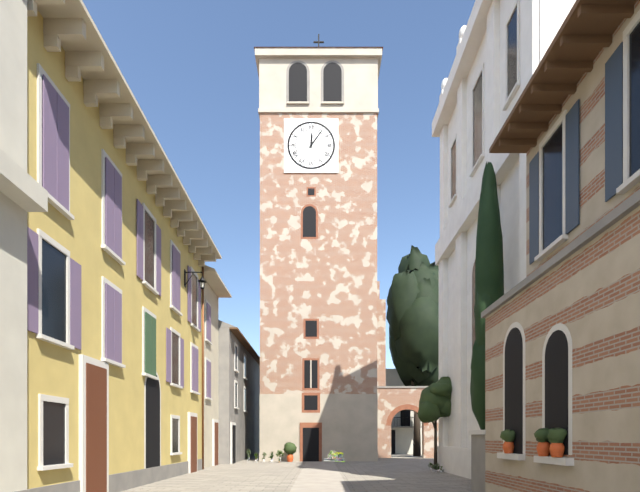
{"hour": 12, "minute": 6}
